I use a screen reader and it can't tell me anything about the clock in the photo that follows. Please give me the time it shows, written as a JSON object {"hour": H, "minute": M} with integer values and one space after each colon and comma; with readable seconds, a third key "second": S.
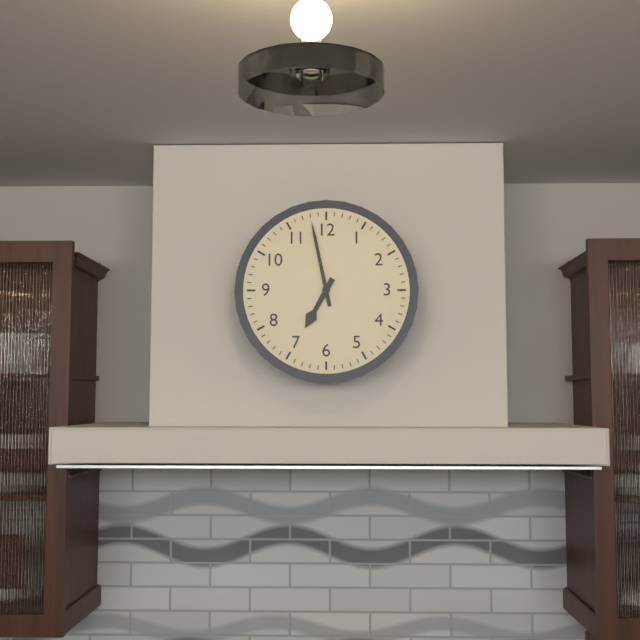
{"hour": 6, "minute": 58}
